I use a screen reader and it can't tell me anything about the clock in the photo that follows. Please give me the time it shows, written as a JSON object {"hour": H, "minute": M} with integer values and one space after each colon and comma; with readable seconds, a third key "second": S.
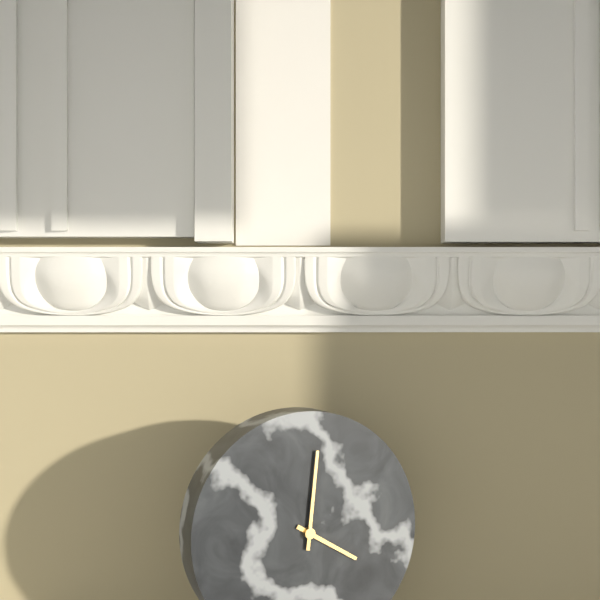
{"hour": 4, "minute": 1}
